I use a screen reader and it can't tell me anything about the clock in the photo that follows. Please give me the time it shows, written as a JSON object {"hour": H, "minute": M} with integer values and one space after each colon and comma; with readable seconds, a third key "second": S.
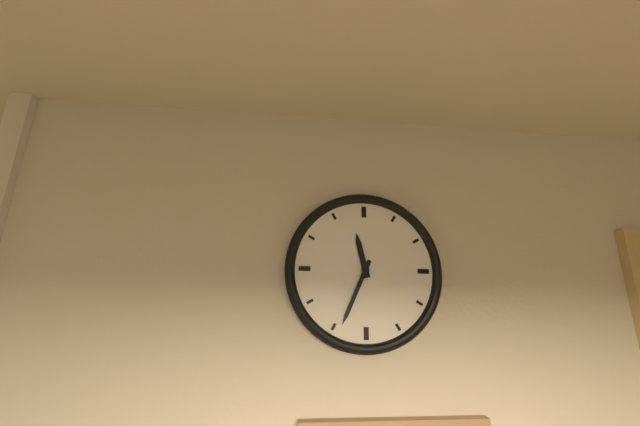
{"hour": 11, "minute": 34}
